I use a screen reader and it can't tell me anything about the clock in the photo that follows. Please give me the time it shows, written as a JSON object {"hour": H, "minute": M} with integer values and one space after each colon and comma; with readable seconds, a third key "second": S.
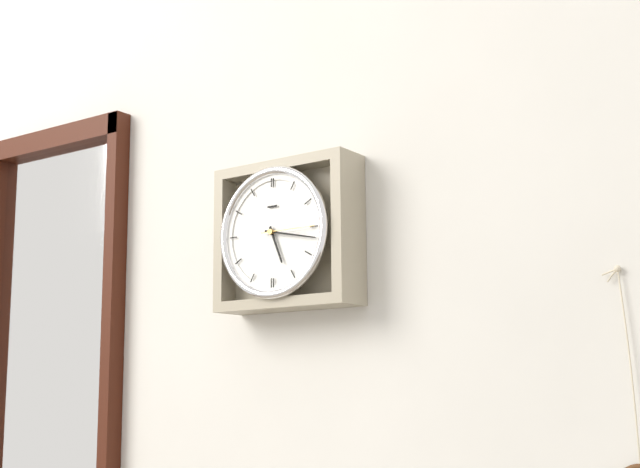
{"hour": 5, "minute": 17, "second": 15}
